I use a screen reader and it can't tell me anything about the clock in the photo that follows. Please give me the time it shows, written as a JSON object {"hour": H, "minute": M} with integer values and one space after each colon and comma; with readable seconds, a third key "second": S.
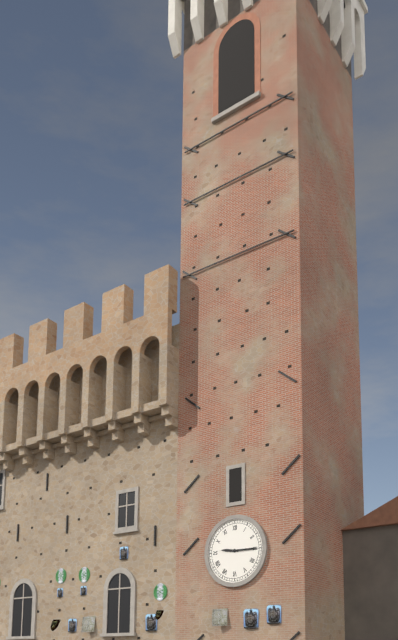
{"hour": 9, "minute": 15}
